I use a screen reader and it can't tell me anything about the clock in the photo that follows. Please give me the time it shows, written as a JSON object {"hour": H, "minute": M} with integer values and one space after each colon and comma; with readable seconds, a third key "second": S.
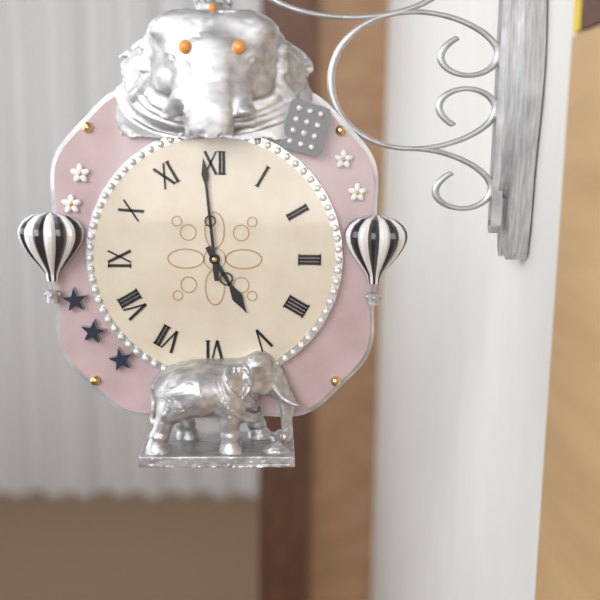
{"hour": 4, "minute": 59}
